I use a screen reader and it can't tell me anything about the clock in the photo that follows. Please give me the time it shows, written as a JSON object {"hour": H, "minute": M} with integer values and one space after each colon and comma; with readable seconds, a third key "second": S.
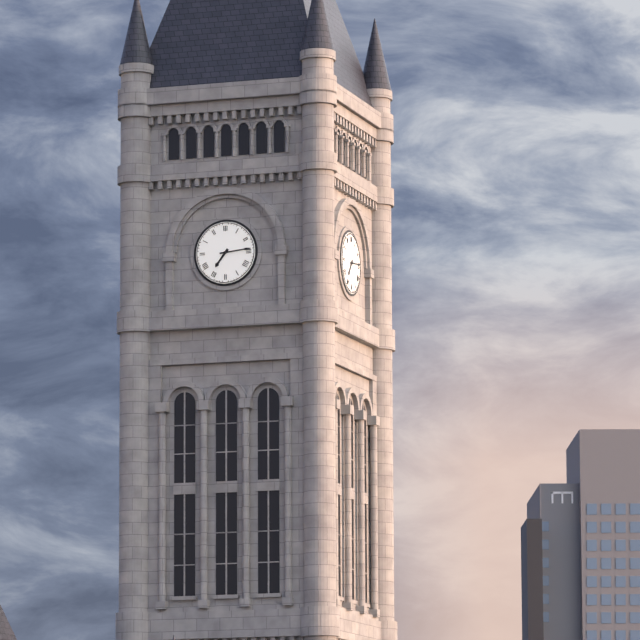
{"hour": 7, "minute": 14}
